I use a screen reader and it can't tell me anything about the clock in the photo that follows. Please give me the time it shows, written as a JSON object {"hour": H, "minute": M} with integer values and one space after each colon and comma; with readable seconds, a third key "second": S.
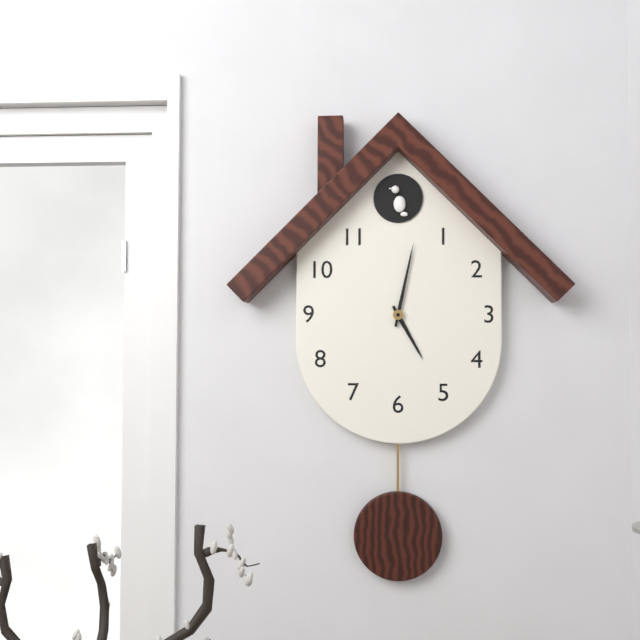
{"hour": 5, "minute": 2}
